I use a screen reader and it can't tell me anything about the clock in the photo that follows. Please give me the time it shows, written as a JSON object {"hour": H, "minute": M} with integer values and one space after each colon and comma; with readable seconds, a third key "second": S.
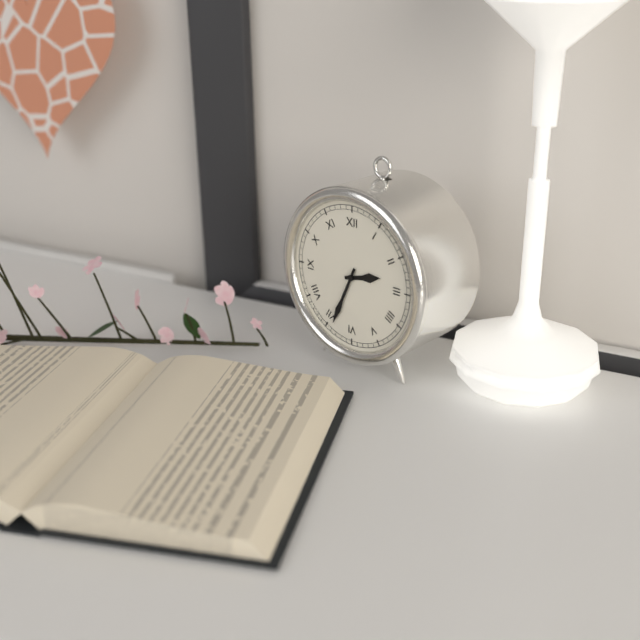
{"hour": 2, "minute": 34}
